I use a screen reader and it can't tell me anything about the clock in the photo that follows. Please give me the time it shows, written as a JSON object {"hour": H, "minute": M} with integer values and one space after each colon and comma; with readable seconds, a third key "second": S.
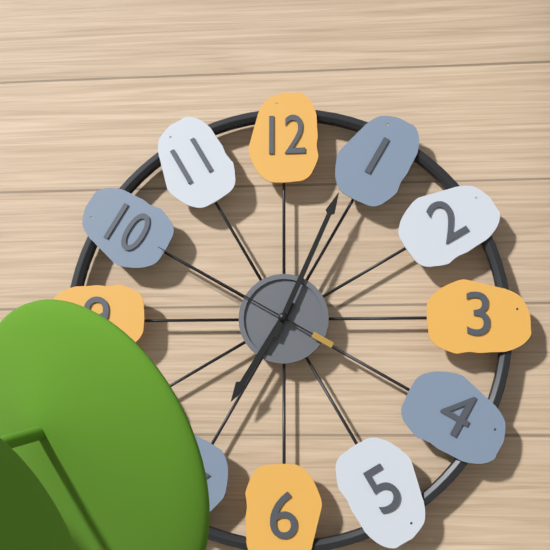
{"hour": 7, "minute": 4, "second": 50}
